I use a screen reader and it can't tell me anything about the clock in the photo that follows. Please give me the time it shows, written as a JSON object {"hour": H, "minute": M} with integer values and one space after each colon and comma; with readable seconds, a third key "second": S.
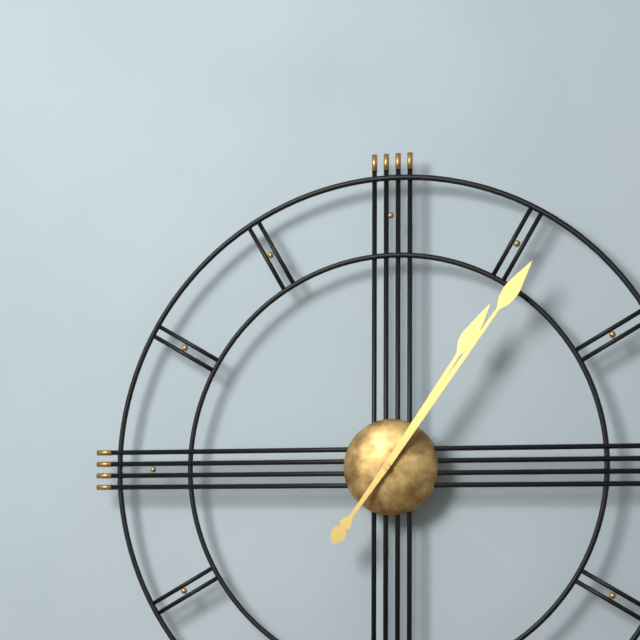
{"hour": 1, "minute": 6}
